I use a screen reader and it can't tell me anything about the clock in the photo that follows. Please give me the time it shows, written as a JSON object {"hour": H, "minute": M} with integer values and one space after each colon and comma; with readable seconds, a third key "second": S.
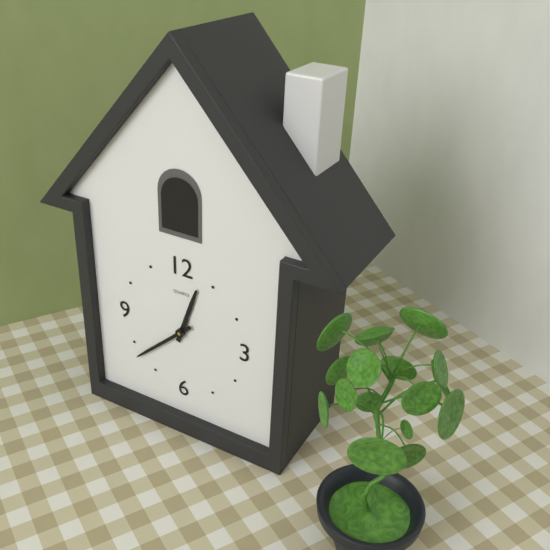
{"hour": 12, "minute": 38}
